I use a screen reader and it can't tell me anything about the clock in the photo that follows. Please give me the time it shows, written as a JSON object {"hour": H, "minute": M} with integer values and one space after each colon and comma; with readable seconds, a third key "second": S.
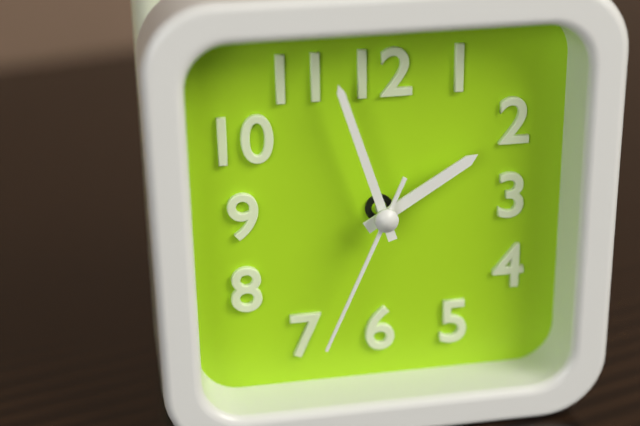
{"hour": 1, "minute": 57, "second": 34}
